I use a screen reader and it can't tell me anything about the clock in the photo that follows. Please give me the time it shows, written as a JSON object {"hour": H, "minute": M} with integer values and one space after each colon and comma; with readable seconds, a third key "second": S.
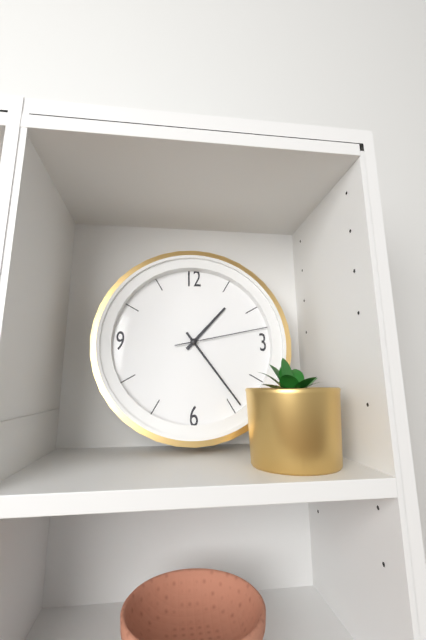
{"hour": 1, "minute": 24, "second": 13}
